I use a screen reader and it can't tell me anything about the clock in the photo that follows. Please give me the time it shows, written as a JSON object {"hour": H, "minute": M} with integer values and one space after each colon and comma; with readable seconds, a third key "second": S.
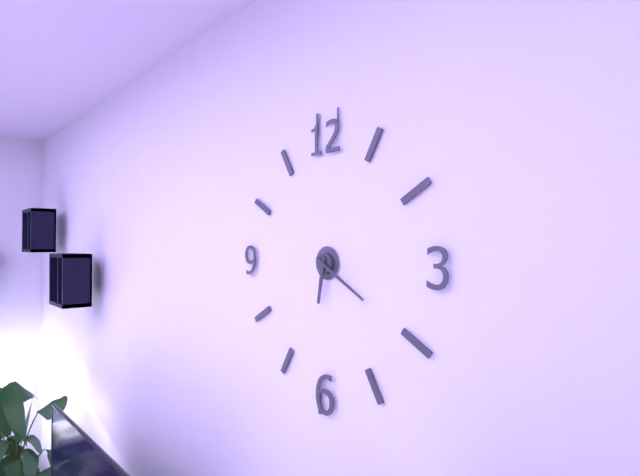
{"hour": 6, "minute": 20}
